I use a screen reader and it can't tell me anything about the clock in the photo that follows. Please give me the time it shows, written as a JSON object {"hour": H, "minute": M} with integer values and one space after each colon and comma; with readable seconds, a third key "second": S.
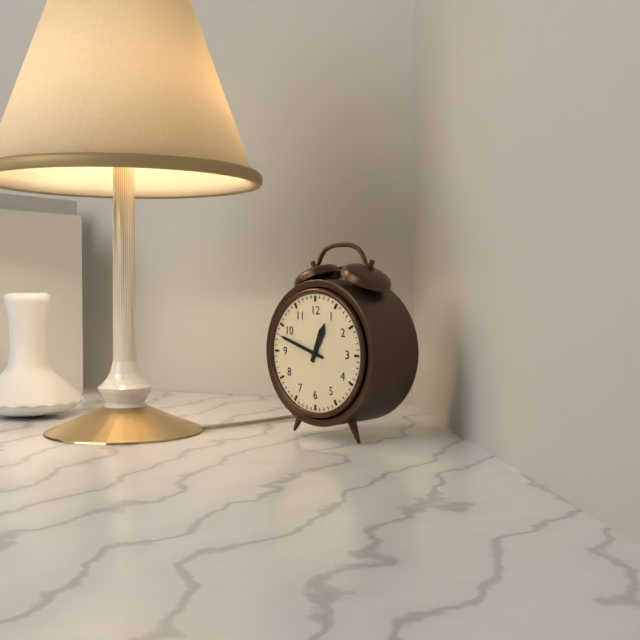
{"hour": 12, "minute": 48}
